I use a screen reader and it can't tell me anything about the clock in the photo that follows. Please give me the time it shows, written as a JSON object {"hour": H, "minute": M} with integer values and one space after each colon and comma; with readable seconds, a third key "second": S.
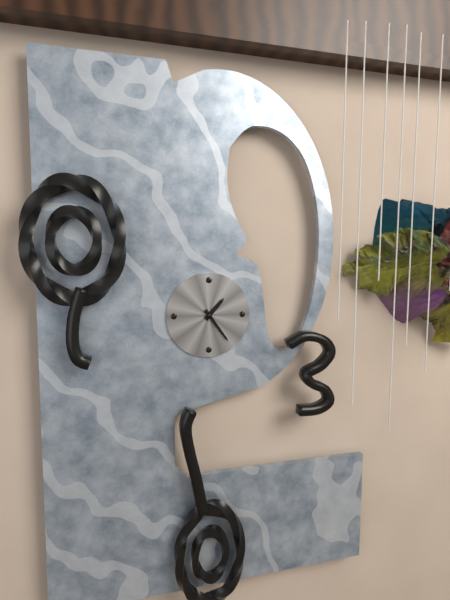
{"hour": 1, "minute": 24}
